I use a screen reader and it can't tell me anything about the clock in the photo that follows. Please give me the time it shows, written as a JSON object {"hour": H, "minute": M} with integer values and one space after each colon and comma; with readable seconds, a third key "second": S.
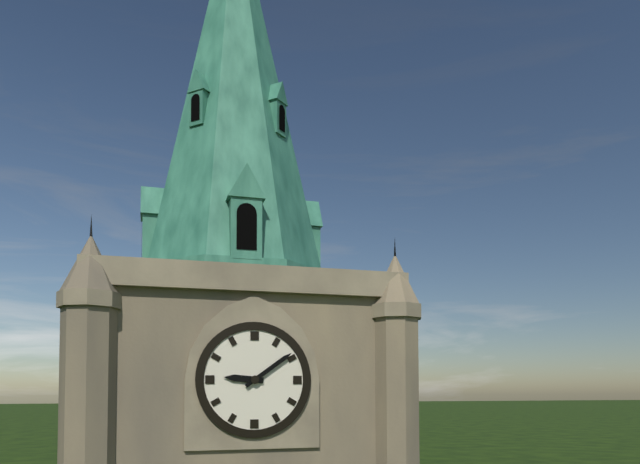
{"hour": 9, "minute": 9}
